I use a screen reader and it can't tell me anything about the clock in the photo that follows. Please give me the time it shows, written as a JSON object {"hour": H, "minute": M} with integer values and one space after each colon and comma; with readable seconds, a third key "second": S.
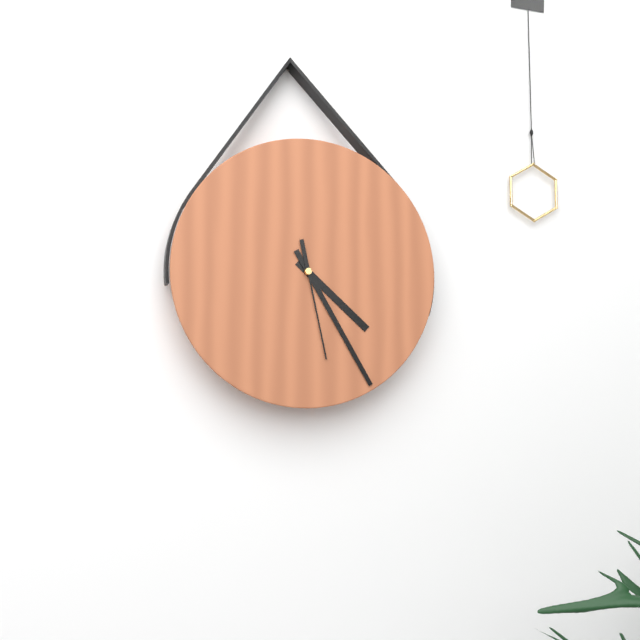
{"hour": 4, "minute": 25, "second": 28}
